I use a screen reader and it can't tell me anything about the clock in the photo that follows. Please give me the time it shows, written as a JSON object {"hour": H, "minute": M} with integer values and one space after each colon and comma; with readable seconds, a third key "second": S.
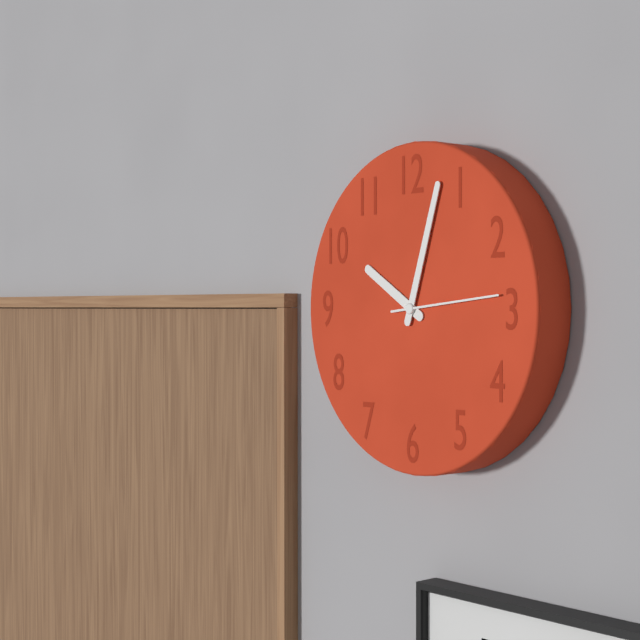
{"hour": 10, "minute": 3, "second": 14}
